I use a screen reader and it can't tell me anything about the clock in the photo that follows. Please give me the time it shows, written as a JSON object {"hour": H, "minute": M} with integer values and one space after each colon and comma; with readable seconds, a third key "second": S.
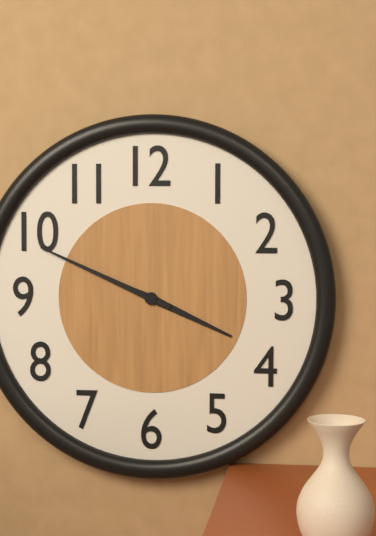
{"hour": 3, "minute": 49}
